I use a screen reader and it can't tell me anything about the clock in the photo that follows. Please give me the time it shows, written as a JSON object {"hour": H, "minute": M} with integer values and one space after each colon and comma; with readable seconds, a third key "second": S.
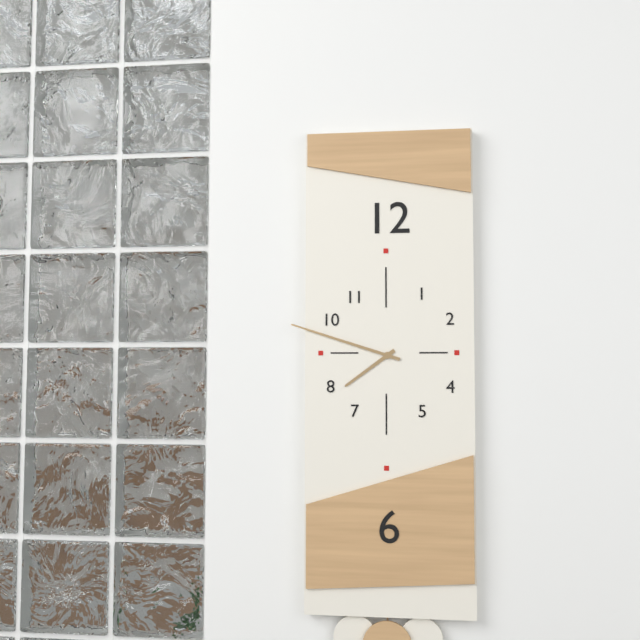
{"hour": 7, "minute": 48}
